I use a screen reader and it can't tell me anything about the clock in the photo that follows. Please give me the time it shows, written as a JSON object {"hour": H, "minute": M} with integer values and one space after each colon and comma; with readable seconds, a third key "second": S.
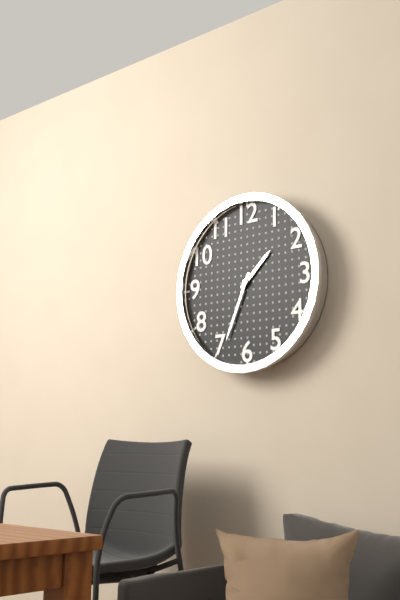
{"hour": 1, "minute": 34}
